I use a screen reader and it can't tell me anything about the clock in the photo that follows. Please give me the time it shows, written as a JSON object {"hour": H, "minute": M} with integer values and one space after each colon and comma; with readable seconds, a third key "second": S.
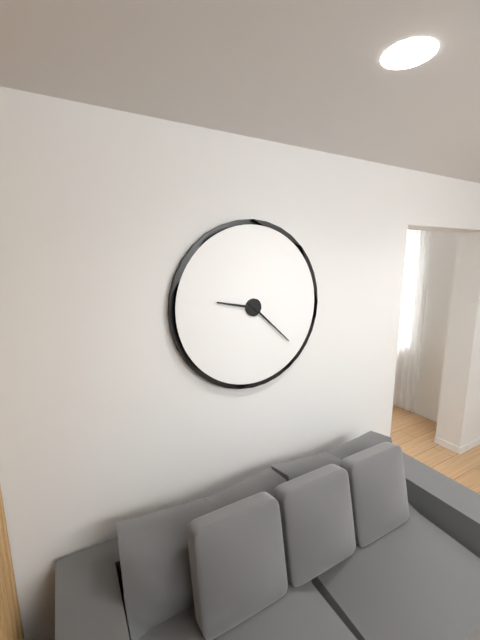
{"hour": 9, "minute": 22}
